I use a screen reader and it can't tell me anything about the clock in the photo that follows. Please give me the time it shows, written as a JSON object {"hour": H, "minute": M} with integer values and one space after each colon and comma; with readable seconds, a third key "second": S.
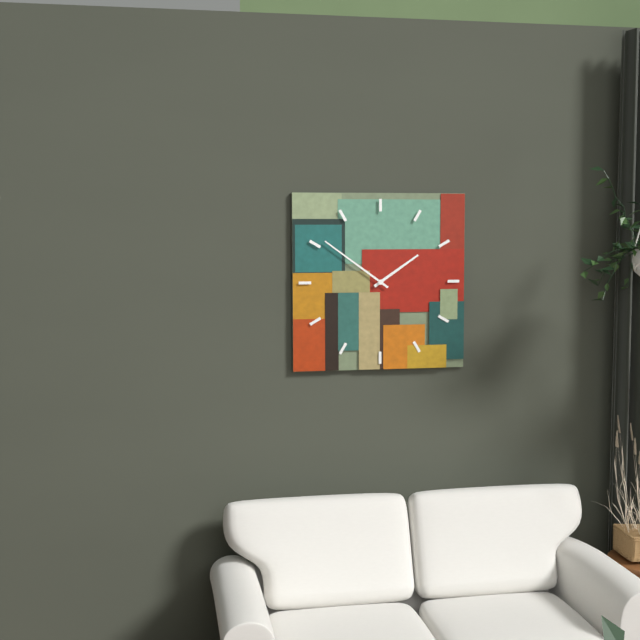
{"hour": 1, "minute": 51}
